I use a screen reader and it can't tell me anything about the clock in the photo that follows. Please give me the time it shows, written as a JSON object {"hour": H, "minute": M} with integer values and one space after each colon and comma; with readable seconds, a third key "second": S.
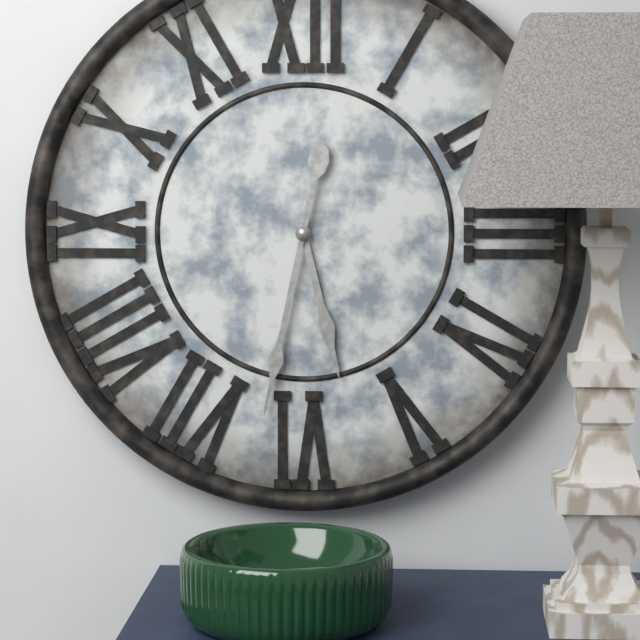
{"hour": 5, "minute": 32}
